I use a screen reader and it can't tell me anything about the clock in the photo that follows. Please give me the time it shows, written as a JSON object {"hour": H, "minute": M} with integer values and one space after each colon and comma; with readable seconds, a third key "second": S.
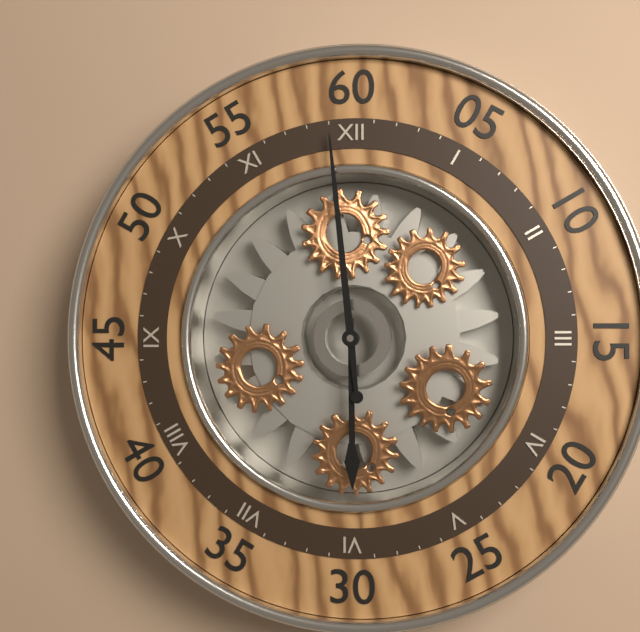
{"hour": 5, "minute": 59}
